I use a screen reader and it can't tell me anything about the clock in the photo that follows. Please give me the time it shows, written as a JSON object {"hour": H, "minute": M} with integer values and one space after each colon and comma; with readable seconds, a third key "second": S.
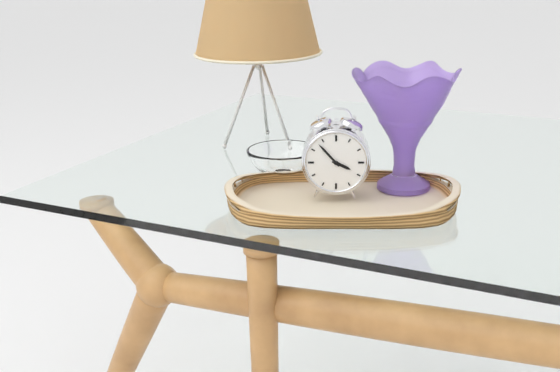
{"hour": 3, "minute": 53}
